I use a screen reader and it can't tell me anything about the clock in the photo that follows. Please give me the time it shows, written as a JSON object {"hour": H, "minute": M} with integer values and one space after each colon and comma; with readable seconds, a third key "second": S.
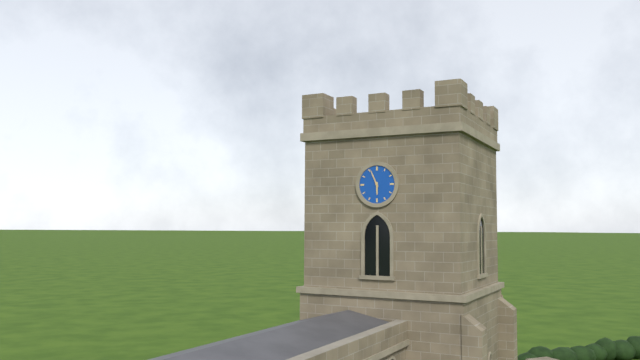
{"hour": 5, "minute": 56}
